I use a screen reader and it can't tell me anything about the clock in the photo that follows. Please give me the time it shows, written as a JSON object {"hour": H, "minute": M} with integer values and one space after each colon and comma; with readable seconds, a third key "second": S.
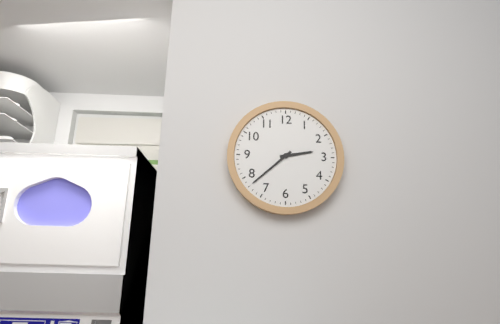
{"hour": 2, "minute": 38}
